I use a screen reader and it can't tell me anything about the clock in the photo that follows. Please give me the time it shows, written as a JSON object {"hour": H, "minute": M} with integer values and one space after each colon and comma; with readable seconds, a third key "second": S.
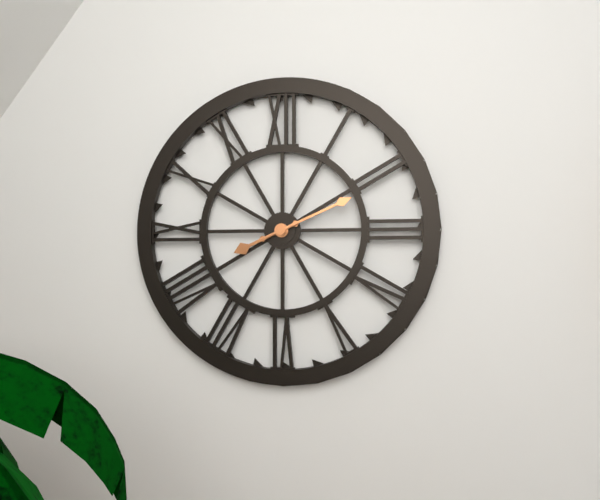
{"hour": 8, "minute": 11}
